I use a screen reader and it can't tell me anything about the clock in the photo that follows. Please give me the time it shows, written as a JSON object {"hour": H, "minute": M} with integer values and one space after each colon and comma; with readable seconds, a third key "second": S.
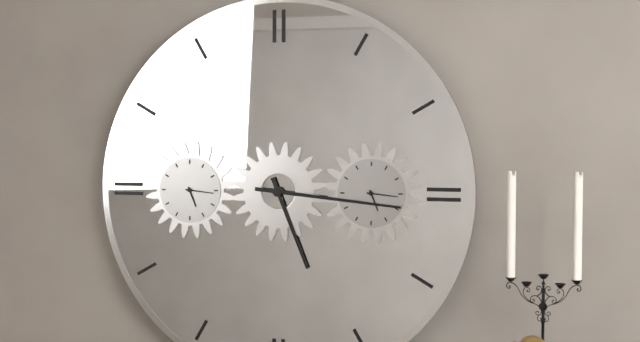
{"hour": 5, "minute": 16}
